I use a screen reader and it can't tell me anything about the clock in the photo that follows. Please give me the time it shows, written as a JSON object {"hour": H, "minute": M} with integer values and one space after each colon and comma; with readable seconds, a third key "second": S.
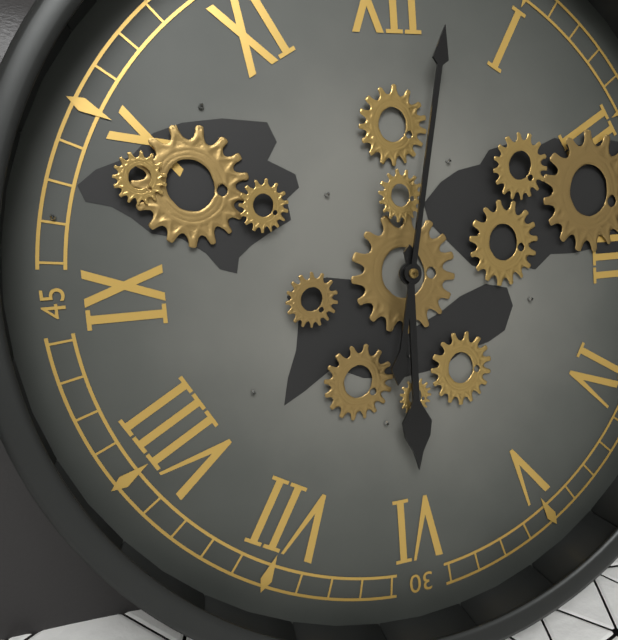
{"hour": 6, "minute": 2}
